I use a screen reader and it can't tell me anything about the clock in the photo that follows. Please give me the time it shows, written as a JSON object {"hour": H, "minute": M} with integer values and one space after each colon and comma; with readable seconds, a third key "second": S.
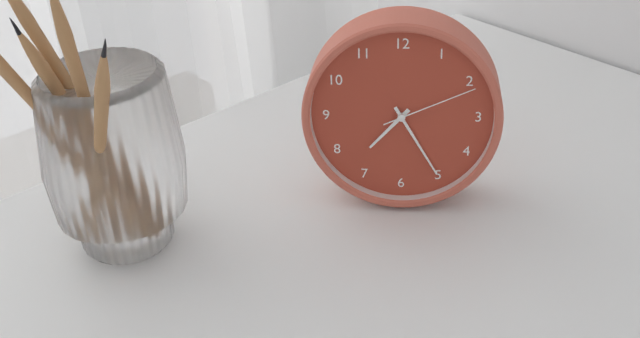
{"hour": 7, "minute": 25, "second": 11}
